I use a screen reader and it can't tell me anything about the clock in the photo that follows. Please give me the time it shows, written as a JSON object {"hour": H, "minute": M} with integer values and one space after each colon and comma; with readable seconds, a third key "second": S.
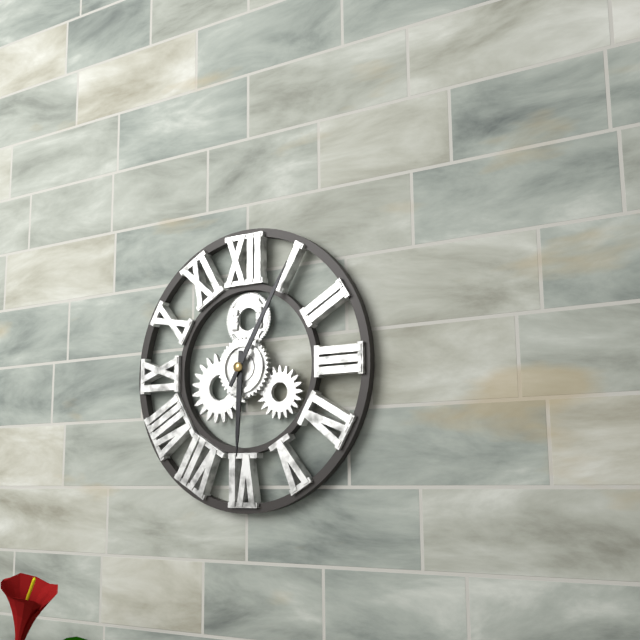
{"hour": 6, "minute": 5}
